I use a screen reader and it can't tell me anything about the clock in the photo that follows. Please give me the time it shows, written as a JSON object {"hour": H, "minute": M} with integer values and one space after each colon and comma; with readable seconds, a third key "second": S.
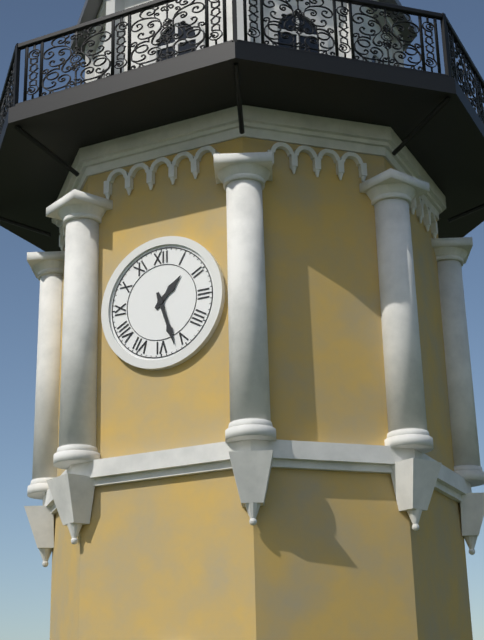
{"hour": 1, "minute": 27}
